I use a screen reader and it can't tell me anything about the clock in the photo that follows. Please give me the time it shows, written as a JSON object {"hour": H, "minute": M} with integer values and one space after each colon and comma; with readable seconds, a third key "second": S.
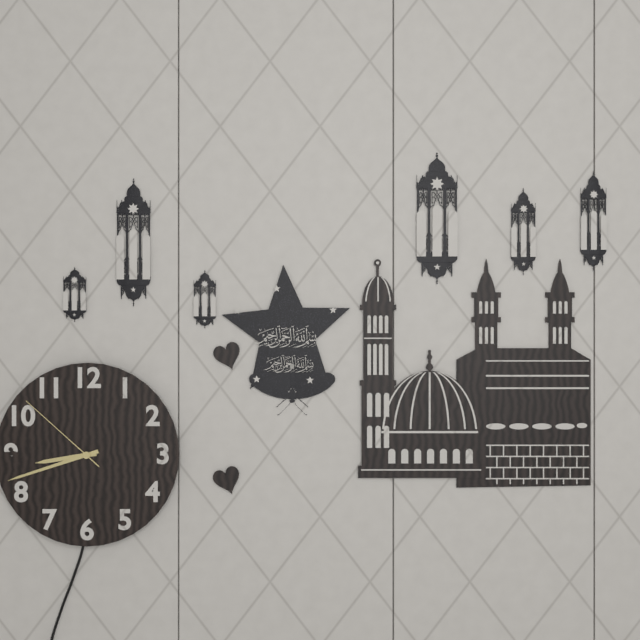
{"hour": 8, "minute": 42, "second": 52}
